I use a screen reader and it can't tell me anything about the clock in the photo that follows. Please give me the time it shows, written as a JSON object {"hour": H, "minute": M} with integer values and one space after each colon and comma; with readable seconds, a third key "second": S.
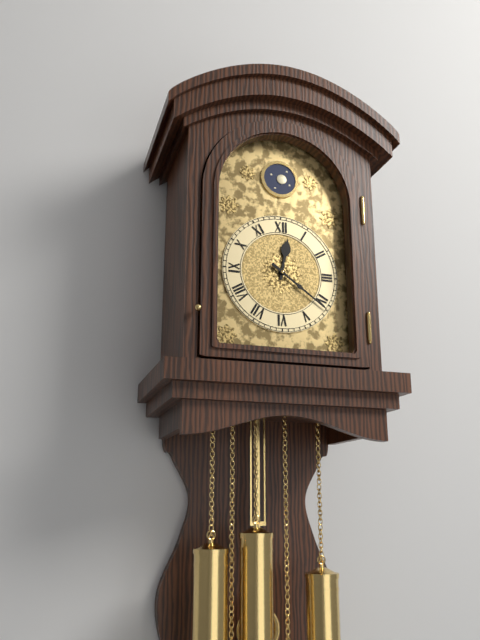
{"hour": 12, "minute": 21}
